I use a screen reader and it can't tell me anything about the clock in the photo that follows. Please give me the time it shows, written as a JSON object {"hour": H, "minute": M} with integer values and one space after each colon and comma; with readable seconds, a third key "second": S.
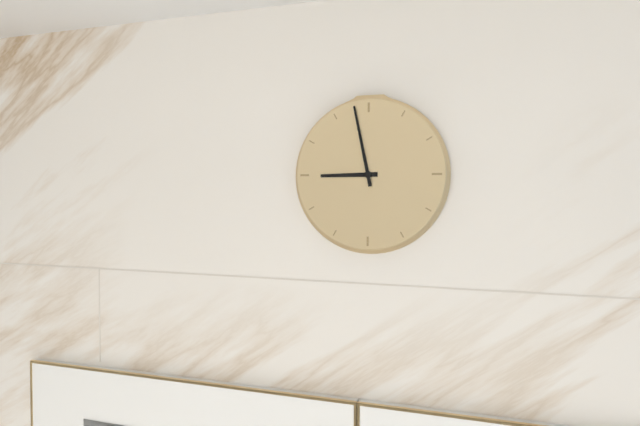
{"hour": 8, "minute": 58}
